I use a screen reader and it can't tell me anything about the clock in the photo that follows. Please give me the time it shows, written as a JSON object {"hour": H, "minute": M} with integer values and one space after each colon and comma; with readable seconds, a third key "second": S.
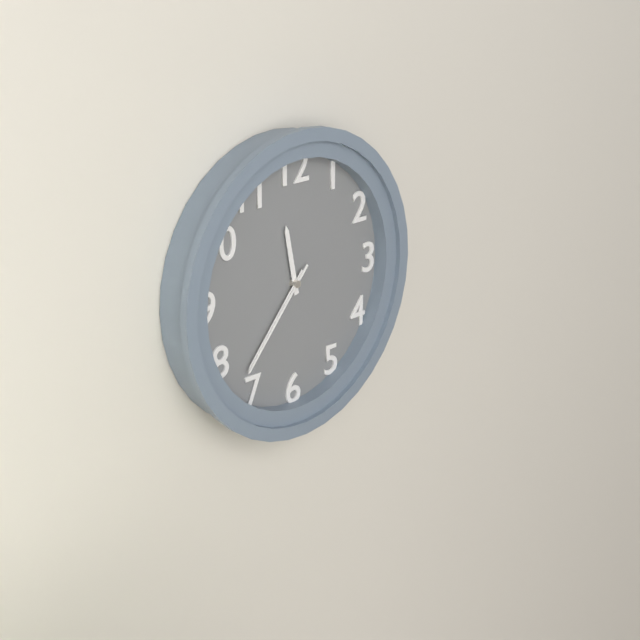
{"hour": 11, "minute": 37, "second": 37}
